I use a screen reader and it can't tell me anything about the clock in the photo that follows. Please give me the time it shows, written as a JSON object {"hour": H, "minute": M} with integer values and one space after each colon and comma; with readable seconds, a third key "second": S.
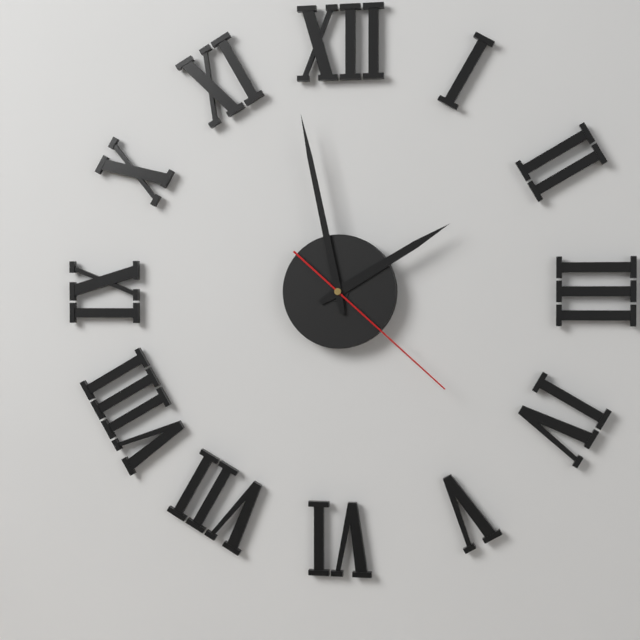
{"hour": 1, "minute": 58, "second": 22}
